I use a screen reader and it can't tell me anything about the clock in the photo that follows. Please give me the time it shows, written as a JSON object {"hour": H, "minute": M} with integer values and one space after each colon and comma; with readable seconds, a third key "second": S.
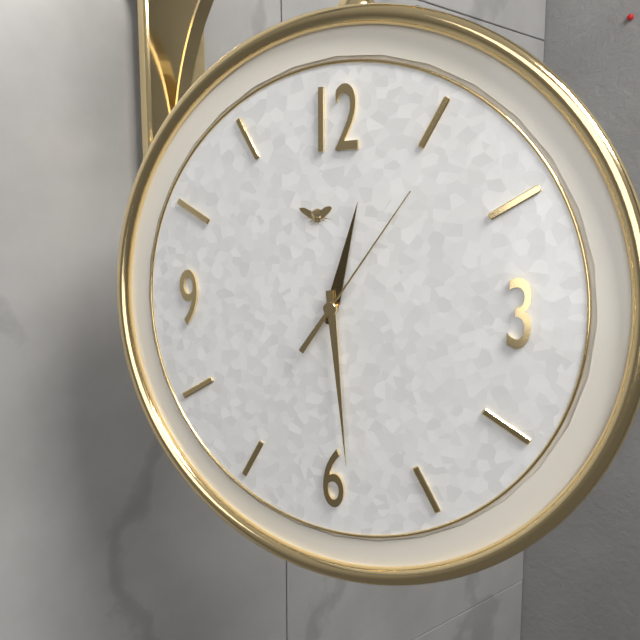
{"hour": 12, "minute": 29, "second": 6}
